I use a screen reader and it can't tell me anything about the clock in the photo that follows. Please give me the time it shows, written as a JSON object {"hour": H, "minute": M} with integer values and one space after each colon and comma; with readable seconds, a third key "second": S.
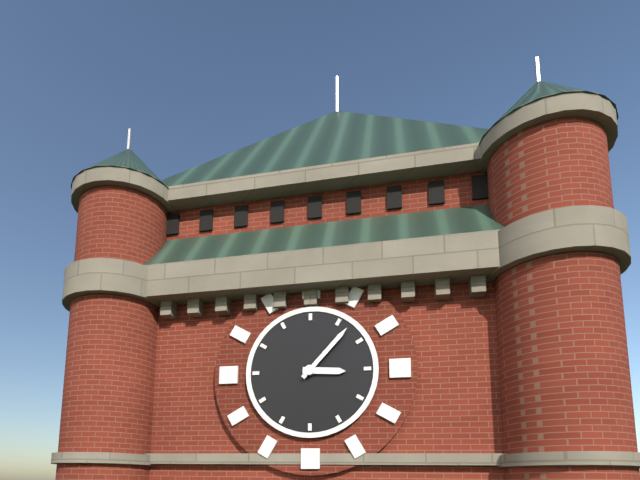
{"hour": 3, "minute": 7}
